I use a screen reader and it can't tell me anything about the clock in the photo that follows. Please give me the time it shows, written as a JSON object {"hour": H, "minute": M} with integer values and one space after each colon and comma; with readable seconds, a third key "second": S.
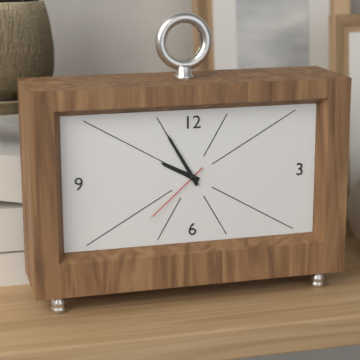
{"hour": 9, "minute": 55, "second": 38}
